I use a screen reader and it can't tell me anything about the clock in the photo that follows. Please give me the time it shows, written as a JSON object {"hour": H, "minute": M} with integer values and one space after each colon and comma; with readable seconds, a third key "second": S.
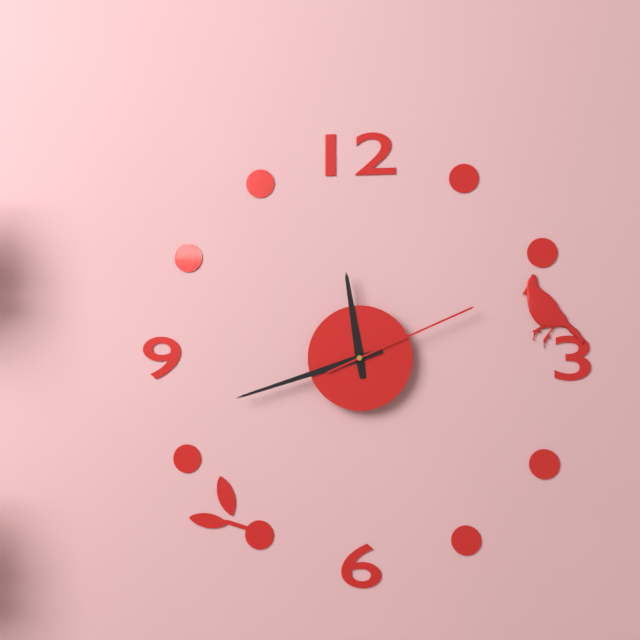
{"hour": 11, "minute": 42, "second": 11}
